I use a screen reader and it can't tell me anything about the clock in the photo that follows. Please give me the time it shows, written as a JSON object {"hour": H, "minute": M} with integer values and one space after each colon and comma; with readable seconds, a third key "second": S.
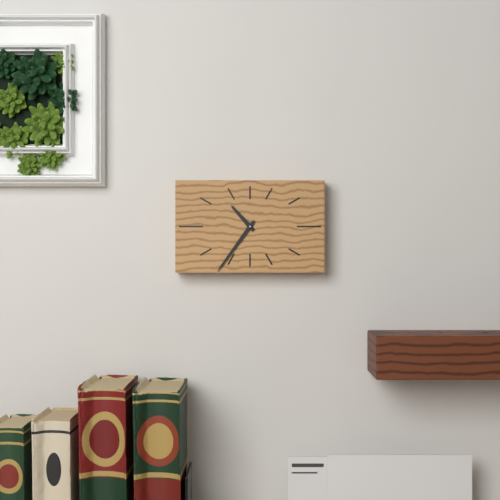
{"hour": 10, "minute": 36}
